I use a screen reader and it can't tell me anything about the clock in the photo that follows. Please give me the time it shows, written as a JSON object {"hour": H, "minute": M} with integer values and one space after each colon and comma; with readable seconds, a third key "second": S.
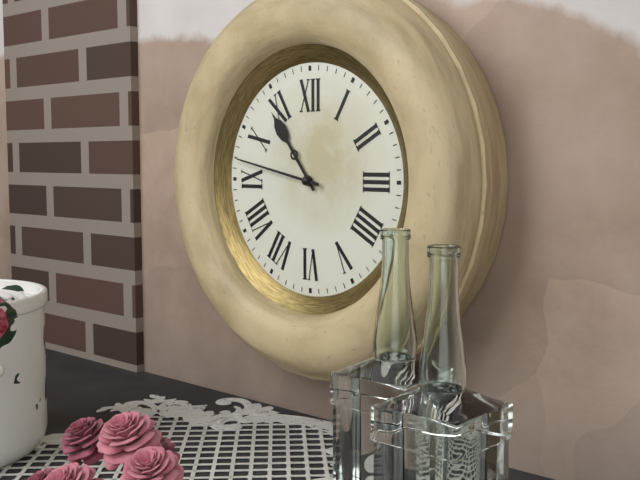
{"hour": 10, "minute": 47}
